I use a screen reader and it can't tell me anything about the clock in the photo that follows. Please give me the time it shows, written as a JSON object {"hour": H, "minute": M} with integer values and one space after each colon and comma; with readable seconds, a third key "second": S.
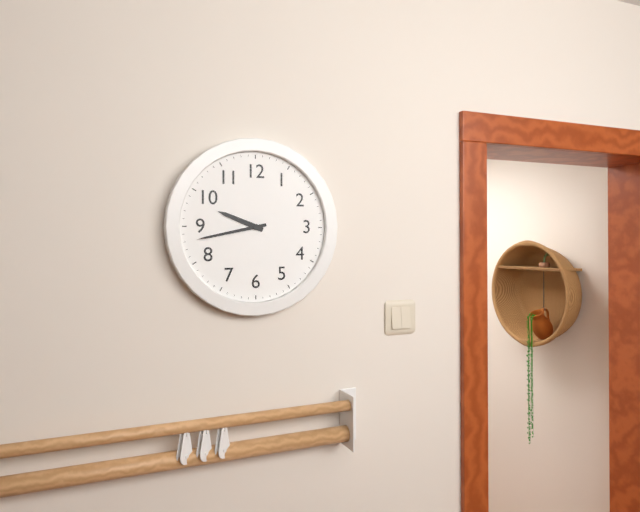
{"hour": 9, "minute": 43}
